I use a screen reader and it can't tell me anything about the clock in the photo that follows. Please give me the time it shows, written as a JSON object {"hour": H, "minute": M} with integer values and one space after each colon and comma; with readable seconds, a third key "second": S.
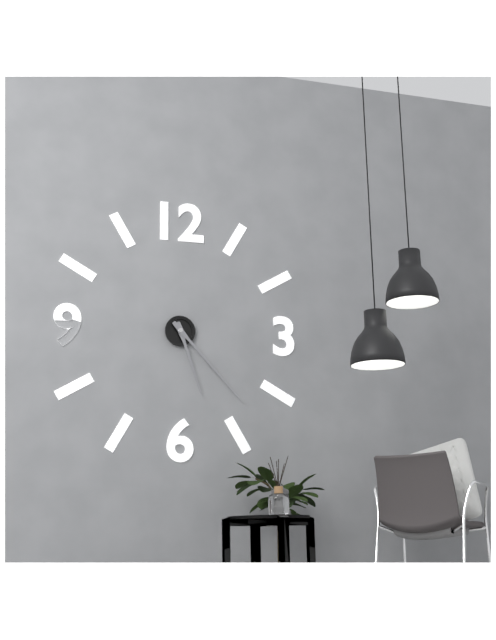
{"hour": 5, "minute": 23}
